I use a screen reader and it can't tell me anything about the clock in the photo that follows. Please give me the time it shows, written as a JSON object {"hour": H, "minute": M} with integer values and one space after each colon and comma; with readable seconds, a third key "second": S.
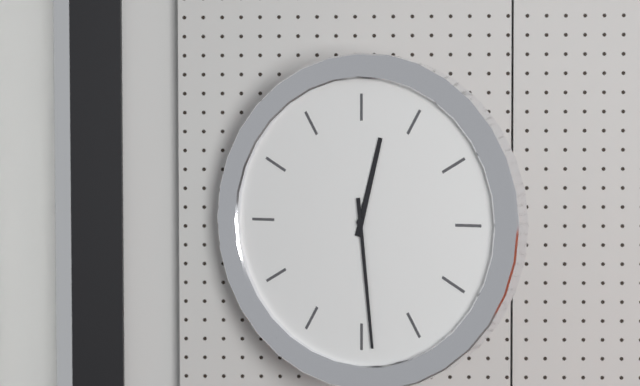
{"hour": 12, "minute": 29}
